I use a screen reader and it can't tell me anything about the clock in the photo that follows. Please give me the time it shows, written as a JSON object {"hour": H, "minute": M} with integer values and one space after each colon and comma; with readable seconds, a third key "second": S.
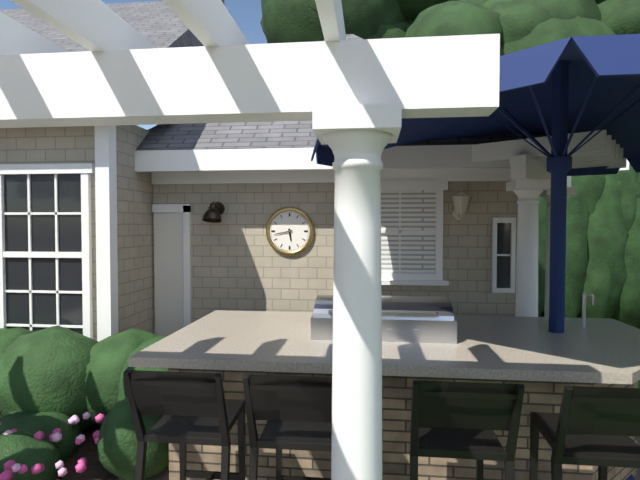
{"hour": 5, "minute": 43}
